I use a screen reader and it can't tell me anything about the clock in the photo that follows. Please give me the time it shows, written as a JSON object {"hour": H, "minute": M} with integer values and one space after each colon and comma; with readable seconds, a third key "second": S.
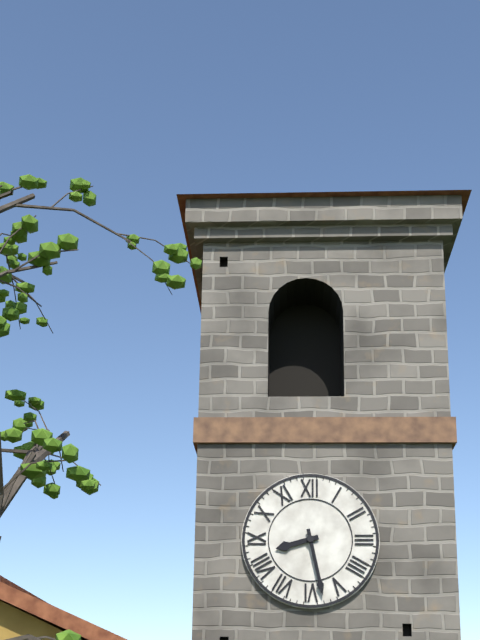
{"hour": 8, "minute": 28}
